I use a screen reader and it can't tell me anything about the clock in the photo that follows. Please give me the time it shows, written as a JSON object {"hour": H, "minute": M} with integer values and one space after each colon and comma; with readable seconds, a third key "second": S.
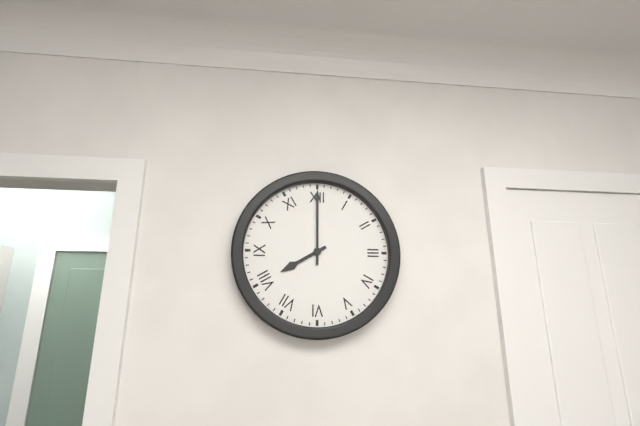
{"hour": 8, "minute": 0}
